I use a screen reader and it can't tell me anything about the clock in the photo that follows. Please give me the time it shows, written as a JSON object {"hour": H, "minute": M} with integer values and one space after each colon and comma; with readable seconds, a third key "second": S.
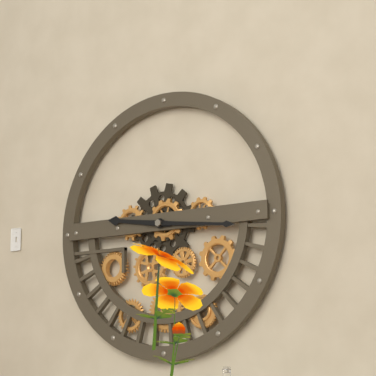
{"hour": 9, "minute": 16}
